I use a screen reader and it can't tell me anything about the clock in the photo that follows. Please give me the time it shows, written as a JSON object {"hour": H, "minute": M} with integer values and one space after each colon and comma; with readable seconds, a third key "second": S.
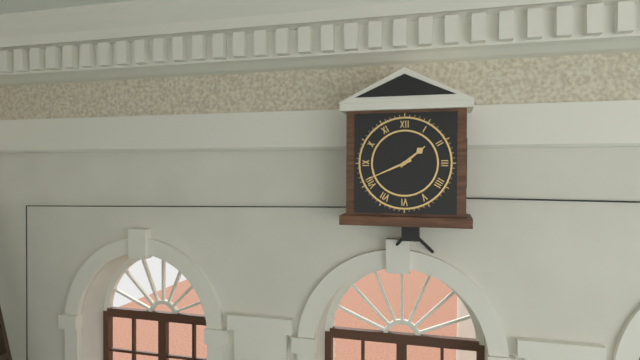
{"hour": 1, "minute": 41}
